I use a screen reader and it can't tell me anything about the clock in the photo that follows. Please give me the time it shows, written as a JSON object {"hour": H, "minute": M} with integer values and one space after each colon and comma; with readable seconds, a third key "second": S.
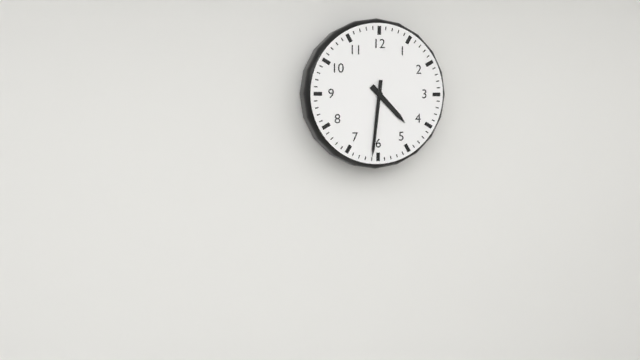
{"hour": 4, "minute": 31}
